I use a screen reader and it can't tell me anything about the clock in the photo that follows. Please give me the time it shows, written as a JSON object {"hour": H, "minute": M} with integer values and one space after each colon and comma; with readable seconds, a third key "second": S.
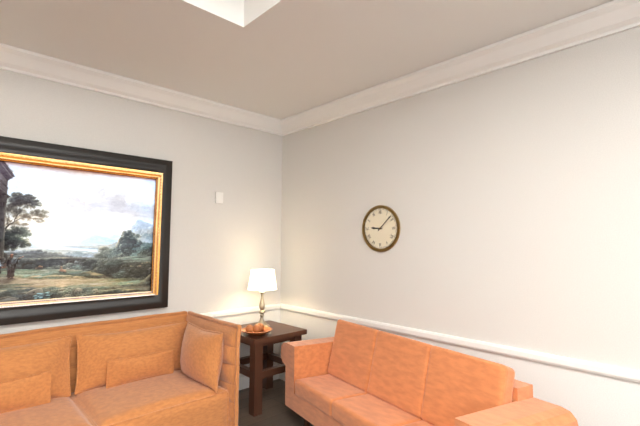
{"hour": 9, "minute": 8}
